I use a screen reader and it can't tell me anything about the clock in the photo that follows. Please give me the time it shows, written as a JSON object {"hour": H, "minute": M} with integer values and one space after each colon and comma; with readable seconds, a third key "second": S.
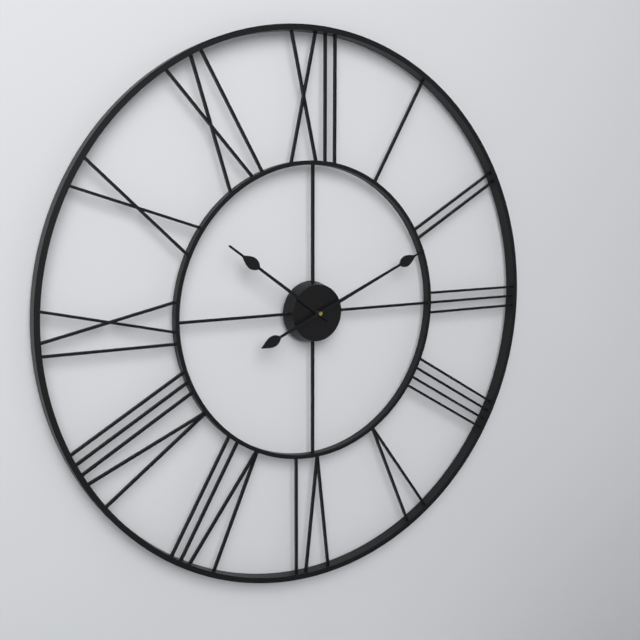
{"hour": 10, "minute": 11}
